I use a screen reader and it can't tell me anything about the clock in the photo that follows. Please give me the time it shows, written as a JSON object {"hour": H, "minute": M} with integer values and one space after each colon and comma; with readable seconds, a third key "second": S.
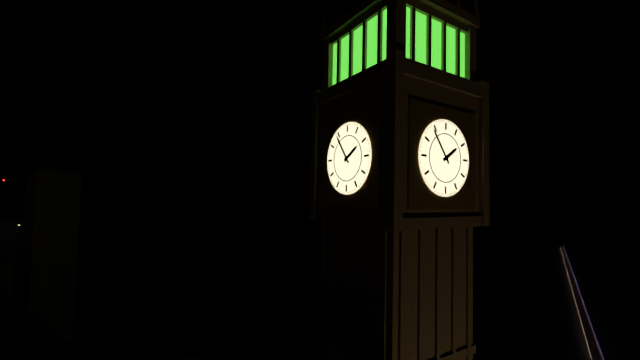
{"hour": 1, "minute": 54}
